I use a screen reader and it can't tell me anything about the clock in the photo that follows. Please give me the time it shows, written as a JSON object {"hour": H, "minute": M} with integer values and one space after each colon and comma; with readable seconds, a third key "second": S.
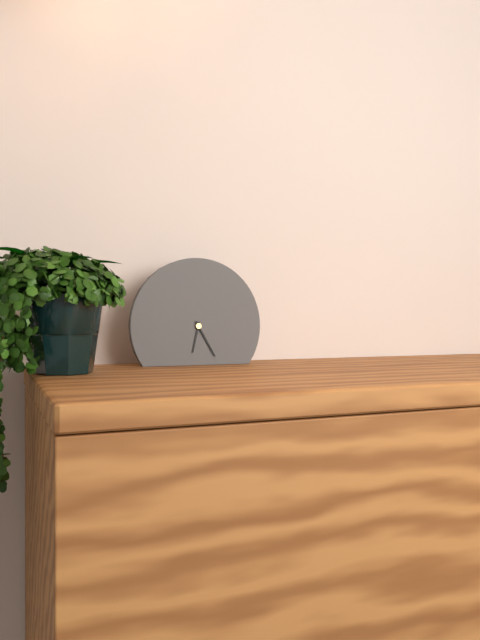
{"hour": 6, "minute": 25}
